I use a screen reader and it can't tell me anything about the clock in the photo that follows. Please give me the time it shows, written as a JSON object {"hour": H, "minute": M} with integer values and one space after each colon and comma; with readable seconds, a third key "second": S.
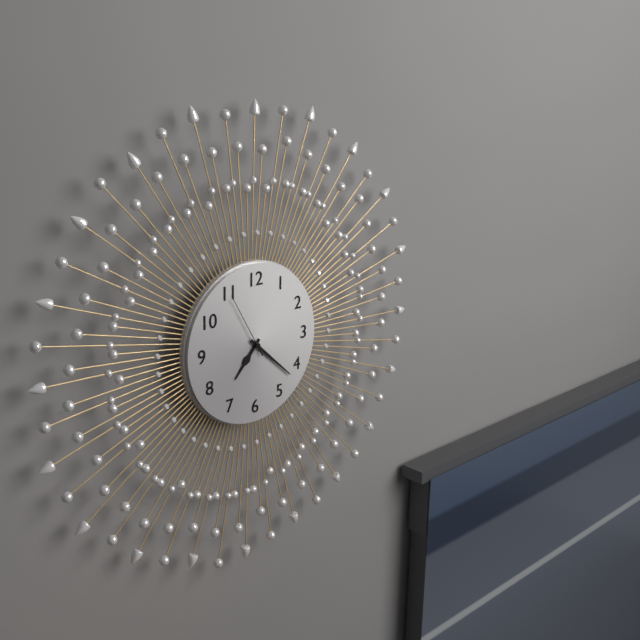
{"hour": 7, "minute": 22, "second": 55}
